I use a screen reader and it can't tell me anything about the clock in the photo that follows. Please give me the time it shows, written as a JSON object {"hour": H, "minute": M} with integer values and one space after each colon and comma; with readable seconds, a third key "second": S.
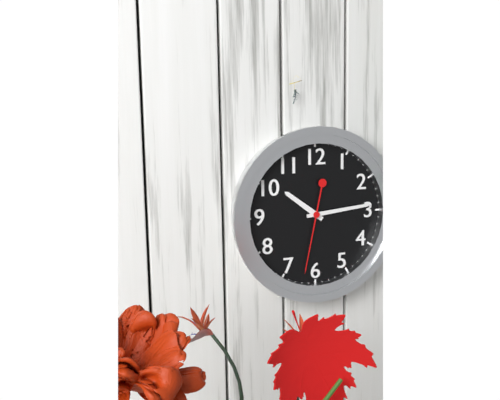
{"hour": 10, "minute": 14, "second": 32}
